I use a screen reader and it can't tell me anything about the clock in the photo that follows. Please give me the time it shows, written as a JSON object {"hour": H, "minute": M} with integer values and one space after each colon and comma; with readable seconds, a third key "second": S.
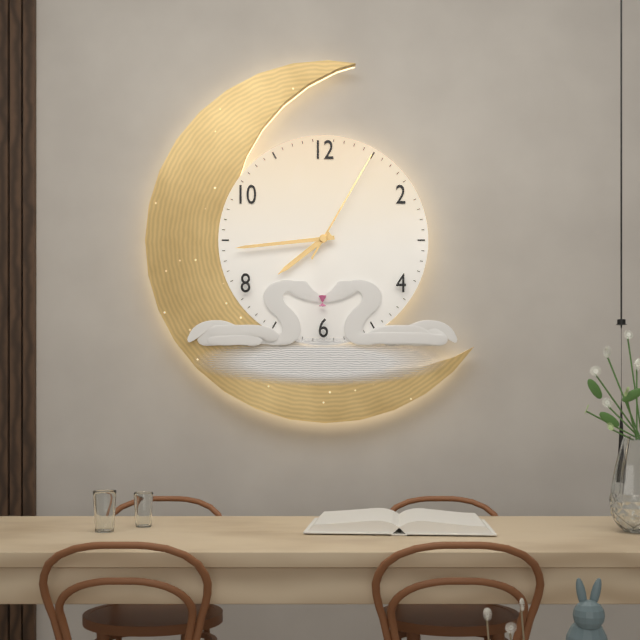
{"hour": 7, "minute": 44, "second": 5}
